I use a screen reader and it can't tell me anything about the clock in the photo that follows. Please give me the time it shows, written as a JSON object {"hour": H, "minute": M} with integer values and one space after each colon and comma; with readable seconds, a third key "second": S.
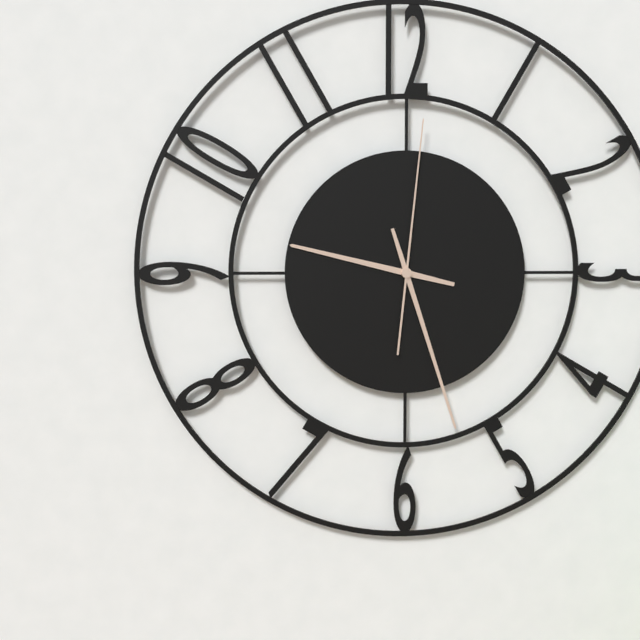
{"hour": 9, "minute": 27, "second": 1}
